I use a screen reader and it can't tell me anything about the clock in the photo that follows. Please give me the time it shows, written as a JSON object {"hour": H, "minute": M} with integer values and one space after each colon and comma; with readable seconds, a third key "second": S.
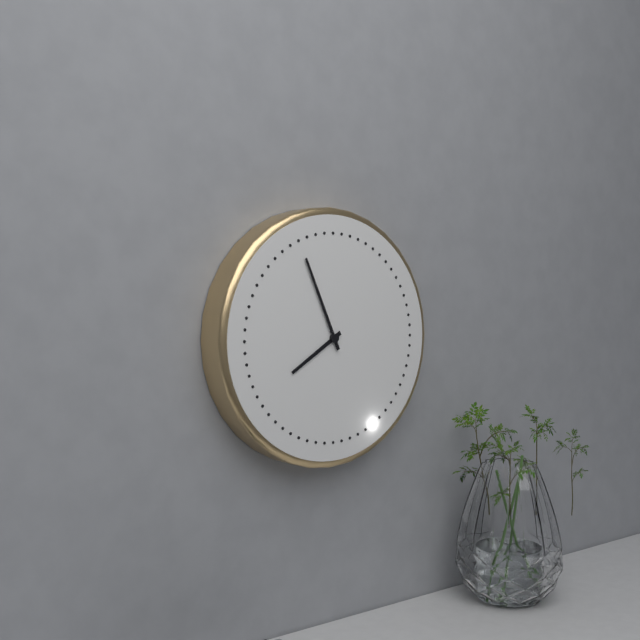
{"hour": 7, "minute": 56}
